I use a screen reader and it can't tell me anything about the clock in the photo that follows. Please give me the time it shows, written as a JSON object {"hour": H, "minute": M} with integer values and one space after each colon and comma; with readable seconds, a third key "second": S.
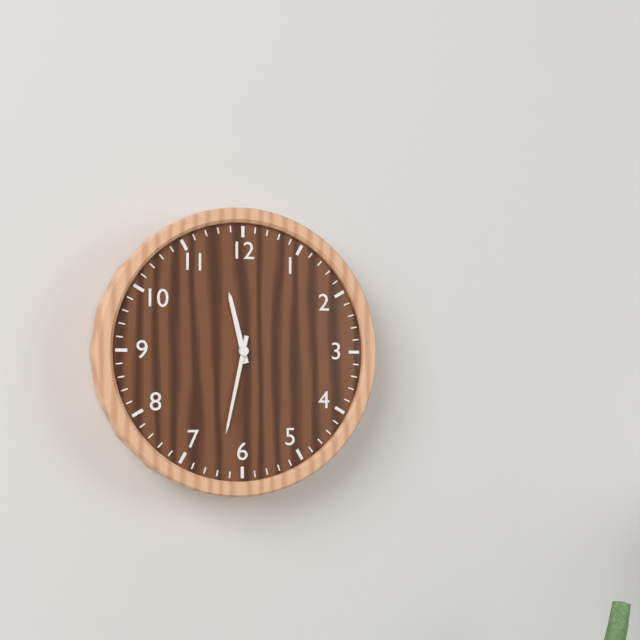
{"hour": 11, "minute": 32}
